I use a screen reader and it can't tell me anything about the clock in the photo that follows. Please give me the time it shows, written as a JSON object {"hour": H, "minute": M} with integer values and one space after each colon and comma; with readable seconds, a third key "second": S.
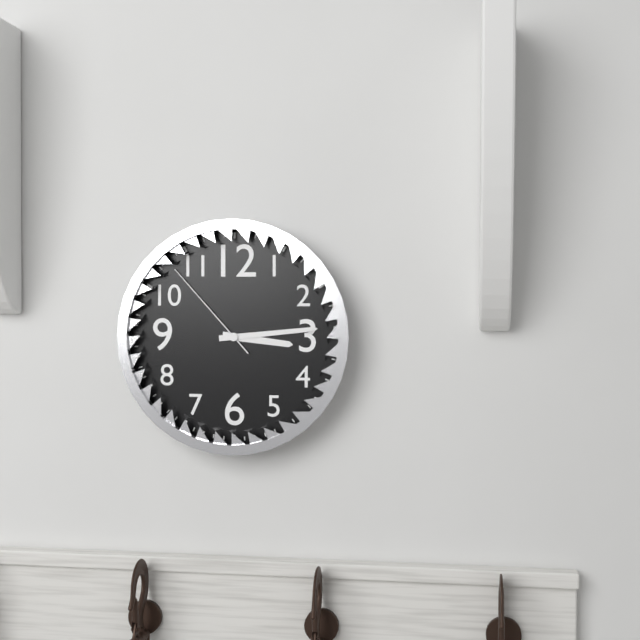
{"hour": 3, "minute": 14, "second": 53}
